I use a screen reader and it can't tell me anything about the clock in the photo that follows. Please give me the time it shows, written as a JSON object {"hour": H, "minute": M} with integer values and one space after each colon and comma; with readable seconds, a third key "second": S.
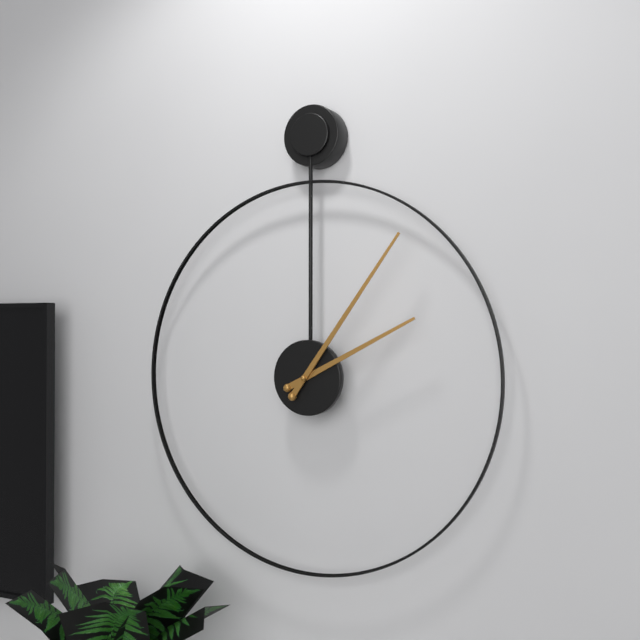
{"hour": 2, "minute": 6}
